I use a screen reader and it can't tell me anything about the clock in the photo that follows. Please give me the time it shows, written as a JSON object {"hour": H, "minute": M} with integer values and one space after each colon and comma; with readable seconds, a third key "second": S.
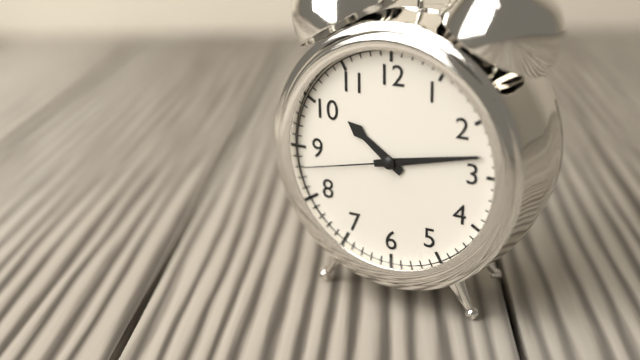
{"hour": 10, "minute": 13, "second": 43}
